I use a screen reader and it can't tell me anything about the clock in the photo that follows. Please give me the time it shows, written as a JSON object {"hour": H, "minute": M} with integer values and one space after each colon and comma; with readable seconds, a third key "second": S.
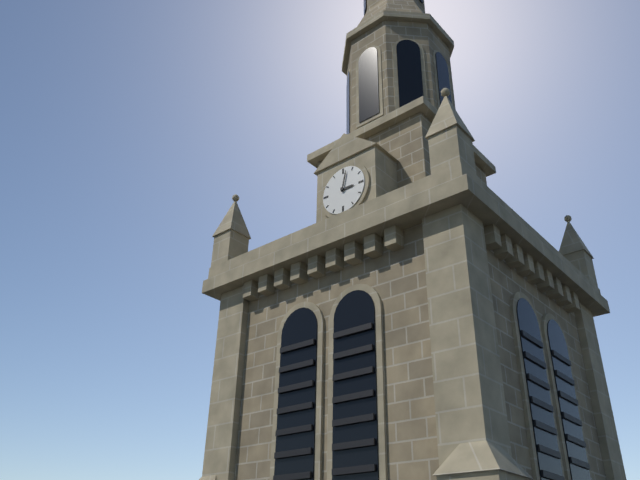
{"hour": 3, "minute": 2}
